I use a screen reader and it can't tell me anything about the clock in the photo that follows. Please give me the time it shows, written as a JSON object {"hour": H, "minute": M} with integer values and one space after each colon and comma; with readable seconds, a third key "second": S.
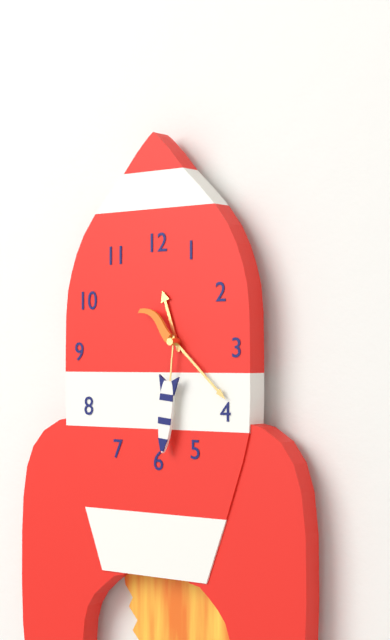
{"hour": 11, "minute": 22, "second": 31}
